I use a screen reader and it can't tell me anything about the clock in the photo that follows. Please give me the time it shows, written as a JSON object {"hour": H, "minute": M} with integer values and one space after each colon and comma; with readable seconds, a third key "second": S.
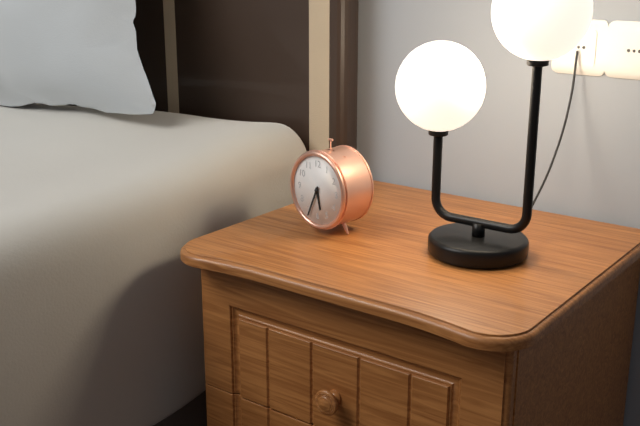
{"hour": 5, "minute": 34}
